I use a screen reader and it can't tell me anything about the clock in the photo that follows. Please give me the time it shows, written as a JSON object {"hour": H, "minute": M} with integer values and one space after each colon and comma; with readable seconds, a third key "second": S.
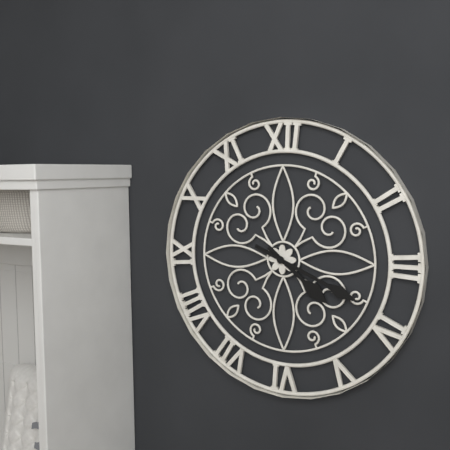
{"hour": 4, "minute": 19}
